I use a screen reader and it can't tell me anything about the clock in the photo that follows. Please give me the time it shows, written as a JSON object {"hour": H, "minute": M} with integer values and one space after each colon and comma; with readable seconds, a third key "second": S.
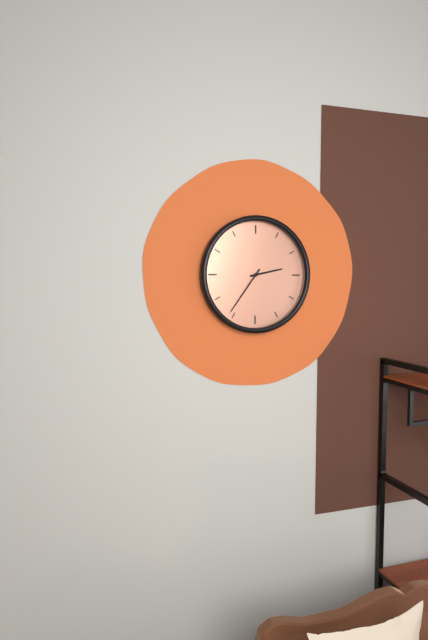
{"hour": 2, "minute": 36}
